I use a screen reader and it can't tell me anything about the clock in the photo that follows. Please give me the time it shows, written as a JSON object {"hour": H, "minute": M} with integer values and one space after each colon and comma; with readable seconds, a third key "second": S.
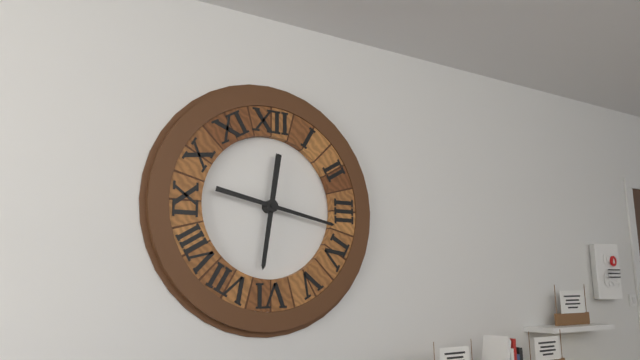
{"hour": 6, "minute": 17}
